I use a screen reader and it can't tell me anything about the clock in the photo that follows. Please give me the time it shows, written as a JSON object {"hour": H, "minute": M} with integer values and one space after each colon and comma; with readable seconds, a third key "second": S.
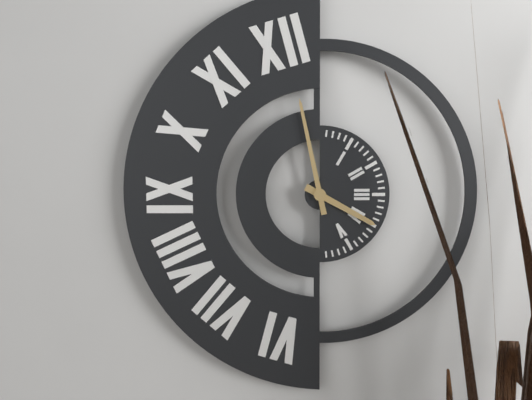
{"hour": 3, "minute": 58}
